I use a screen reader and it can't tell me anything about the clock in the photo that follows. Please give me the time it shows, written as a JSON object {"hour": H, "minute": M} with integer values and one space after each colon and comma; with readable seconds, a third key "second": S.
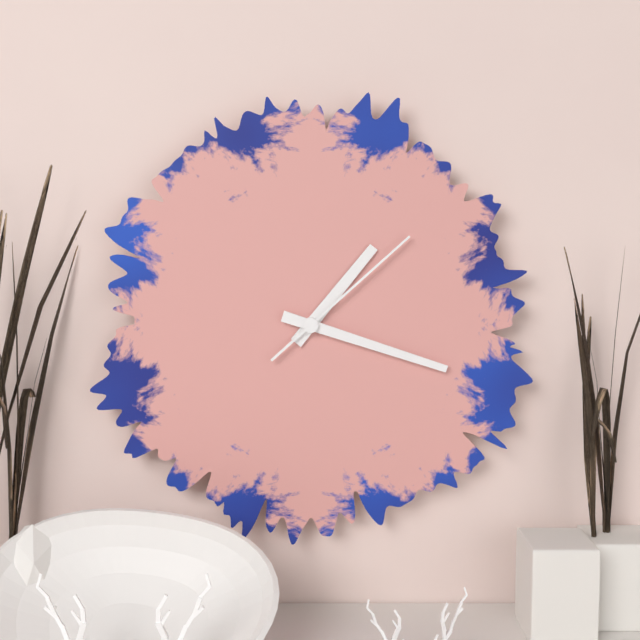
{"hour": 1, "minute": 18, "second": 8}
